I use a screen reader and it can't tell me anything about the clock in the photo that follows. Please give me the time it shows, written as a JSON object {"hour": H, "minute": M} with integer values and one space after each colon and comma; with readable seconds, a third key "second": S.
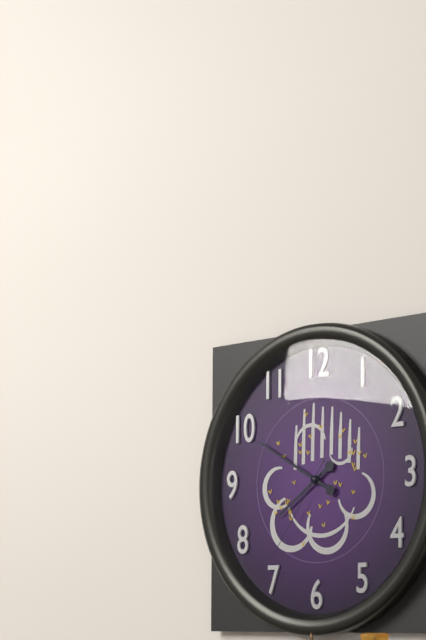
{"hour": 7, "minute": 50, "second": 36}
